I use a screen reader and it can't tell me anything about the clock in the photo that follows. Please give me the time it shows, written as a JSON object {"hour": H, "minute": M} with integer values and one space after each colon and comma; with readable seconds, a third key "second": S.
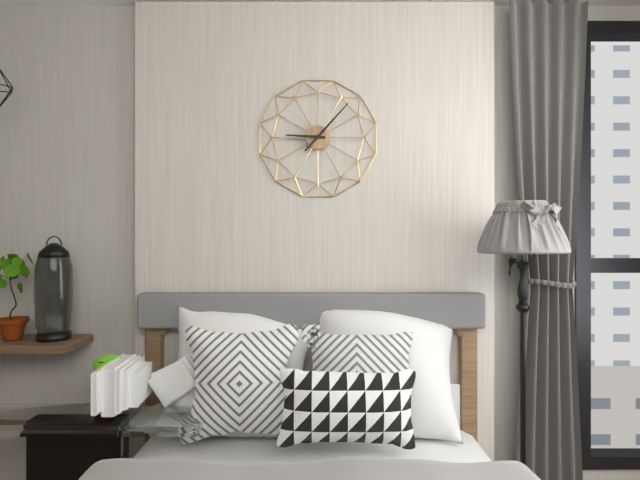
{"hour": 9, "minute": 7}
